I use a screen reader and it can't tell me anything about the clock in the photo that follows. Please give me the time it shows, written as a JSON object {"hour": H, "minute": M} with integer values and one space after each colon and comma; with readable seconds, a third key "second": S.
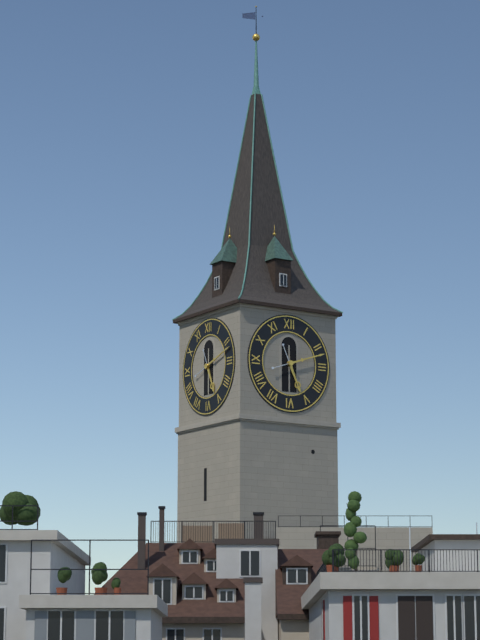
{"hour": 5, "minute": 12}
